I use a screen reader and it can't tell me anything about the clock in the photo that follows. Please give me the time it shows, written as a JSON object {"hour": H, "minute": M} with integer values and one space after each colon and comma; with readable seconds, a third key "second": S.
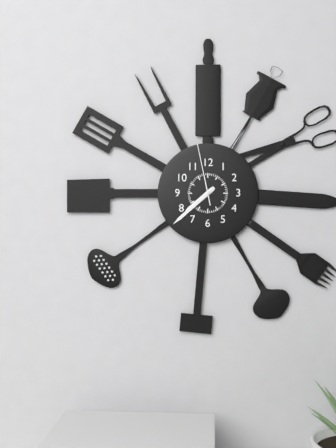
{"hour": 7, "minute": 38, "second": 58}
